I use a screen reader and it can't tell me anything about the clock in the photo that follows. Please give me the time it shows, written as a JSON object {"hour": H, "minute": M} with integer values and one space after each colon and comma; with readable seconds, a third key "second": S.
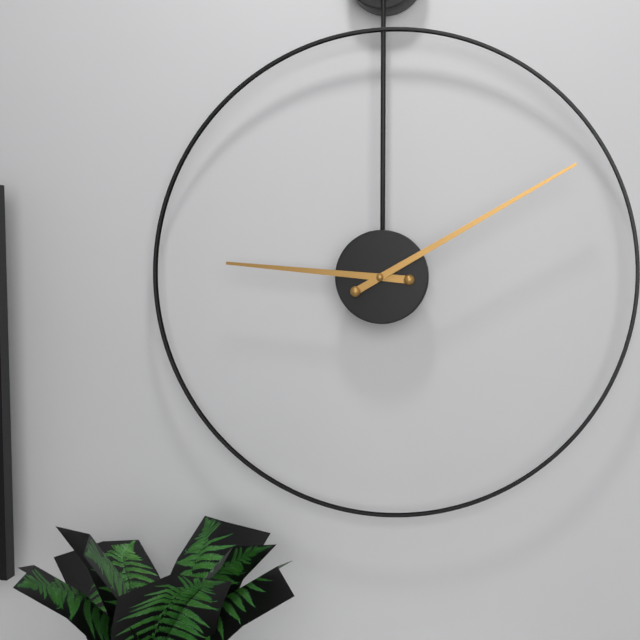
{"hour": 9, "minute": 10}
